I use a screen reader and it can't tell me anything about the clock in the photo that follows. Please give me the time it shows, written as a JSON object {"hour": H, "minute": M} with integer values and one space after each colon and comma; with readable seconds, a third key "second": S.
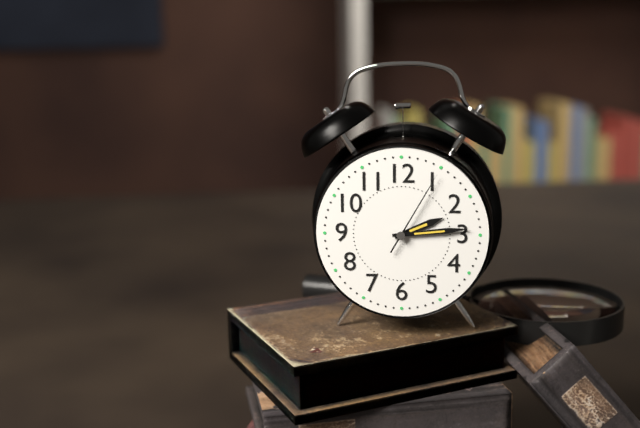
{"hour": 2, "minute": 14, "second": 5}
